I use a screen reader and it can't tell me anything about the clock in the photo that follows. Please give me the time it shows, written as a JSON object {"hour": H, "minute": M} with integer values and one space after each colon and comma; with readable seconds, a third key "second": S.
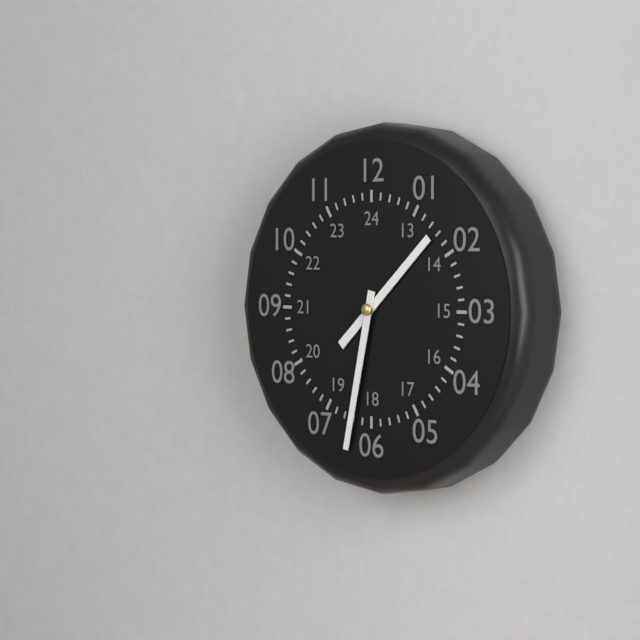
{"hour": 1, "minute": 32}
